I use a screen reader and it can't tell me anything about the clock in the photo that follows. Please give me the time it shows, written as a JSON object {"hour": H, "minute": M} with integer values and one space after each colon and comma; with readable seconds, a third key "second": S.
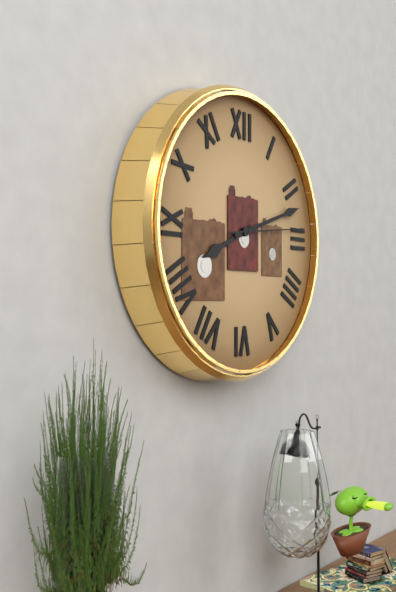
{"hour": 8, "minute": 12, "second": 14}
